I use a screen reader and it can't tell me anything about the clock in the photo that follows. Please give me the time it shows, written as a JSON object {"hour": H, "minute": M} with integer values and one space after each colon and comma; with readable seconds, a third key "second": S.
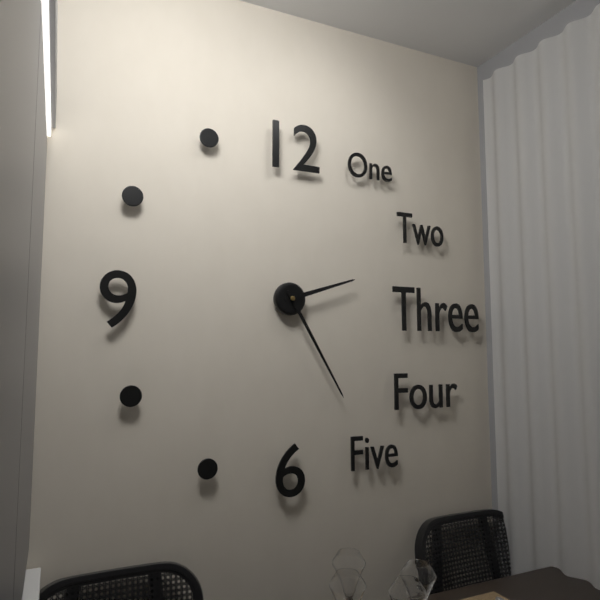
{"hour": 2, "minute": 25}
